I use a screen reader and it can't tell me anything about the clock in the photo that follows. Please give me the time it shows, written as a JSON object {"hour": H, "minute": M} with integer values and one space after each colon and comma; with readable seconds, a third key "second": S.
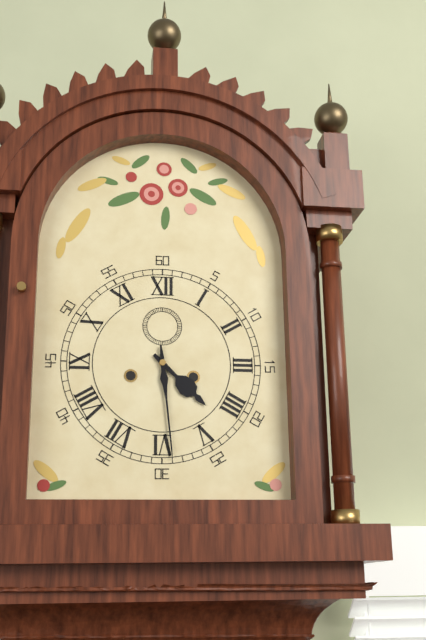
{"hour": 4, "minute": 29}
